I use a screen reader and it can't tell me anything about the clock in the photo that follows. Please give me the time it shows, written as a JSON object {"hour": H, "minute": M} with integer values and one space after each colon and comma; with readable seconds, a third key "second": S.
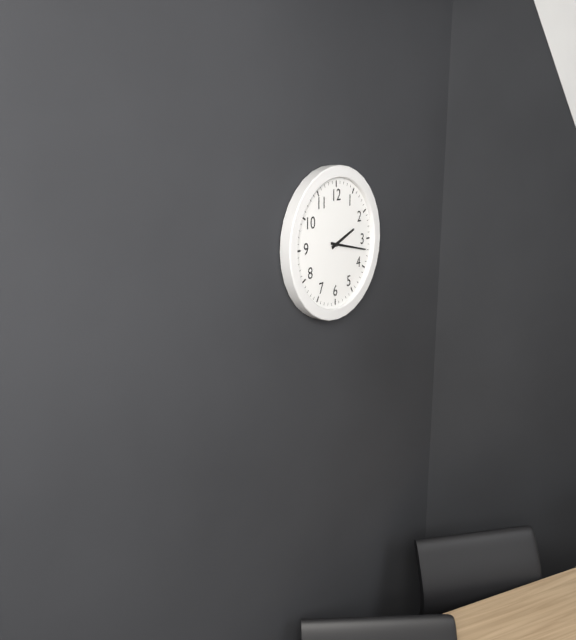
{"hour": 2, "minute": 17}
